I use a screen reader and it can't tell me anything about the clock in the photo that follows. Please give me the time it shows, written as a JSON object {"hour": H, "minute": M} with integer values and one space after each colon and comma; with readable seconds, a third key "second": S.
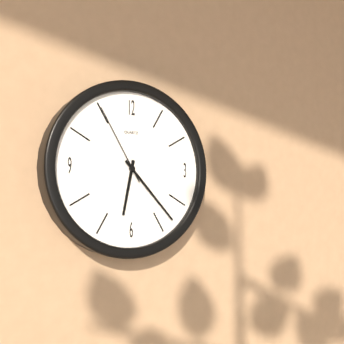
{"hour": 6, "minute": 23, "second": 55}
